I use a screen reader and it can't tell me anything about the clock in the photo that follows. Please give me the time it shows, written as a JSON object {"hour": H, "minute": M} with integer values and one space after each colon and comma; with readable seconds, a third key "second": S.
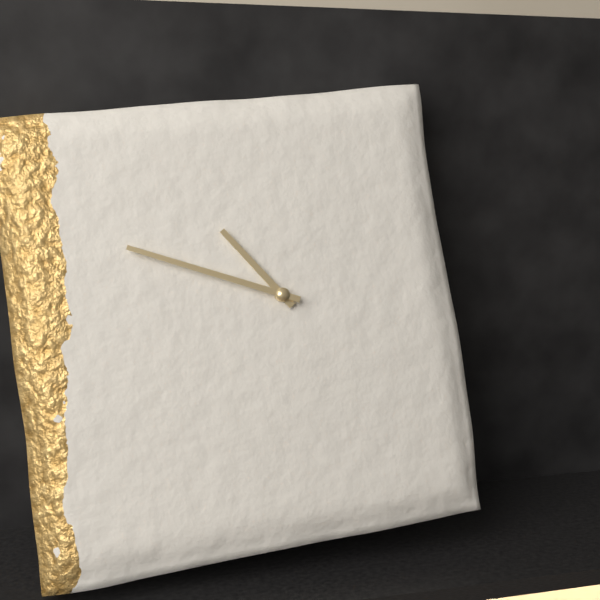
{"hour": 10, "minute": 49}
